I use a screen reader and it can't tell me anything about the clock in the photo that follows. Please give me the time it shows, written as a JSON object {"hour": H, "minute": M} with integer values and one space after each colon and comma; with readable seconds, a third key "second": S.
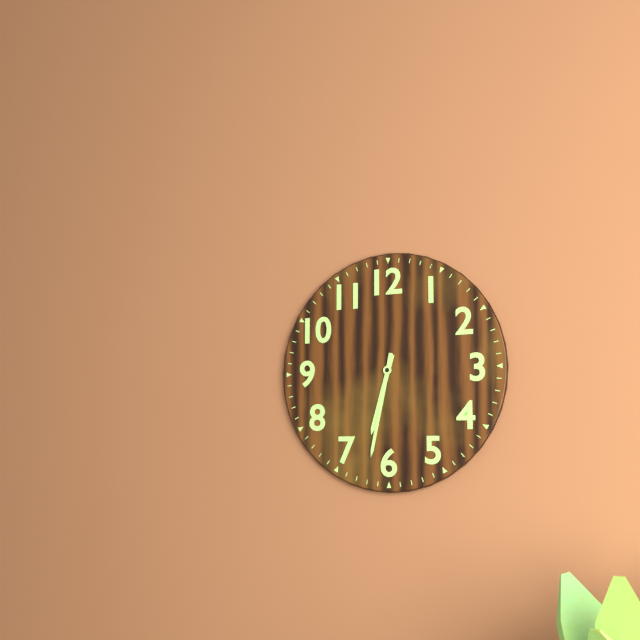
{"hour": 6, "minute": 32}
